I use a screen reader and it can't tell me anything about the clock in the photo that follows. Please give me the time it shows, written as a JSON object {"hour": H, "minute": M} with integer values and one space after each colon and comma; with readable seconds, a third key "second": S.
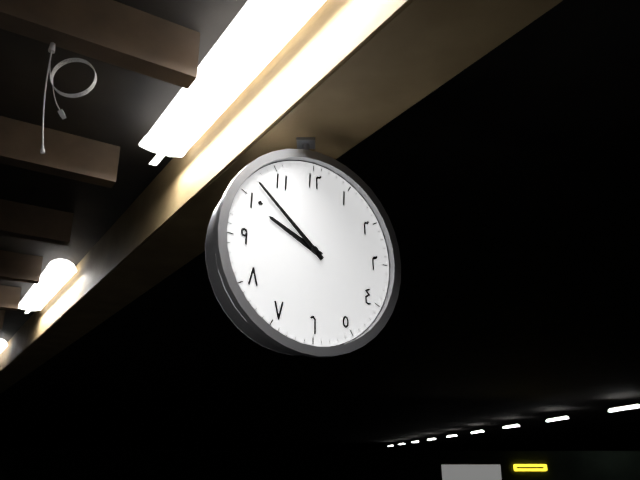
{"hour": 9, "minute": 52}
